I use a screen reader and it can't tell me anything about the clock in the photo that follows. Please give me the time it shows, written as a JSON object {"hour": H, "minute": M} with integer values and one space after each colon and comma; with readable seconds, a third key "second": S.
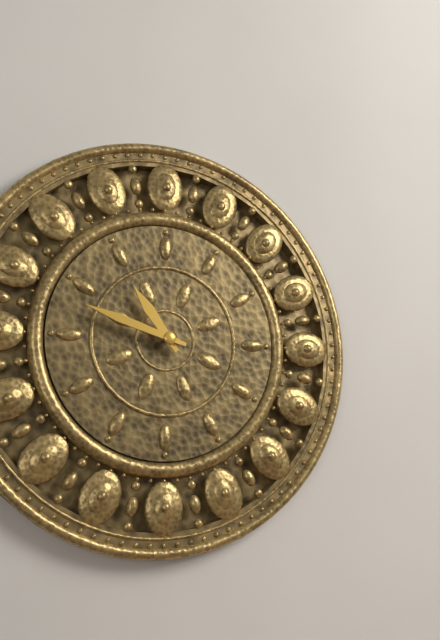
{"hour": 10, "minute": 48}
